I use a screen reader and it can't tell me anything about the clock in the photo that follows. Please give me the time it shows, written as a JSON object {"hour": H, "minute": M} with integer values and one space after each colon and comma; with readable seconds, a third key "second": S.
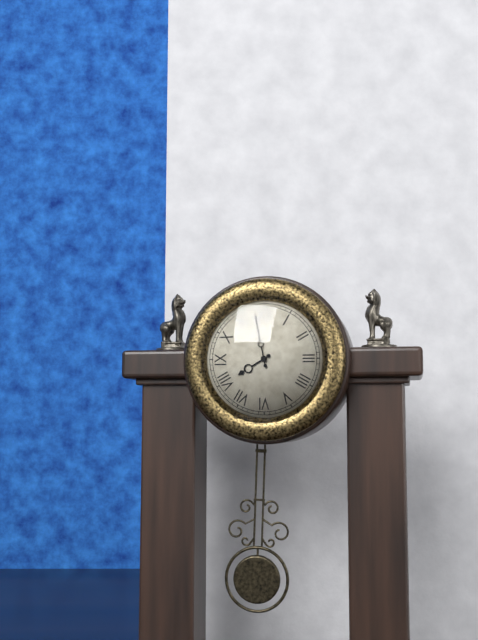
{"hour": 7, "minute": 58}
